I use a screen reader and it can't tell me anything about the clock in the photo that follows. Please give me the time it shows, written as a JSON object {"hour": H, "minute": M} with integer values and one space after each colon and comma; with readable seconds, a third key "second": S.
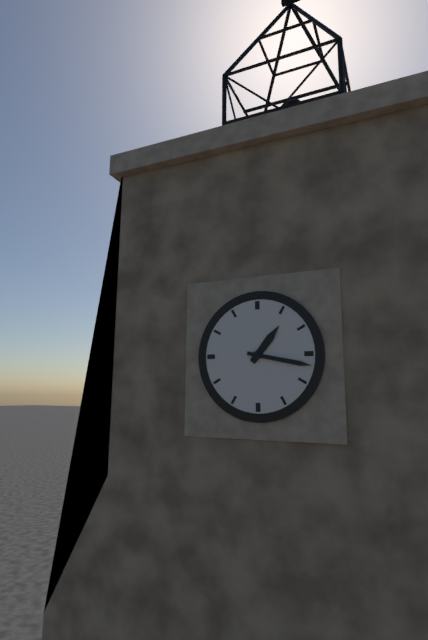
{"hour": 1, "minute": 17}
